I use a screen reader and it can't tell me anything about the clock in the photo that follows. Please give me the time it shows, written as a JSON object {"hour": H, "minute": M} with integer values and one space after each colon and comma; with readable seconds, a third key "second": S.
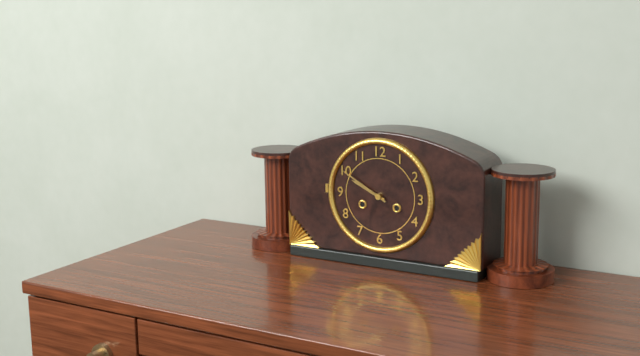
{"hour": 9, "minute": 50}
